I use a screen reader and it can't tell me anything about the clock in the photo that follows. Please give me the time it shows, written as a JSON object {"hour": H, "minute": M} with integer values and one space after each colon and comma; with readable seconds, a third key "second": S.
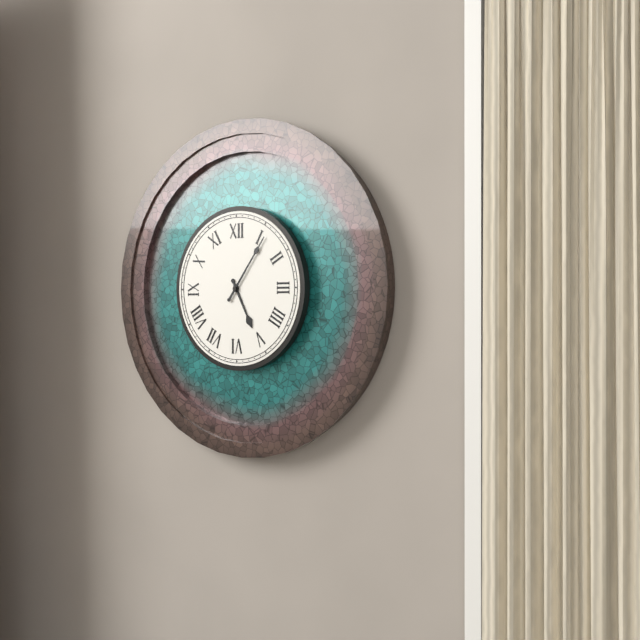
{"hour": 5, "minute": 6}
